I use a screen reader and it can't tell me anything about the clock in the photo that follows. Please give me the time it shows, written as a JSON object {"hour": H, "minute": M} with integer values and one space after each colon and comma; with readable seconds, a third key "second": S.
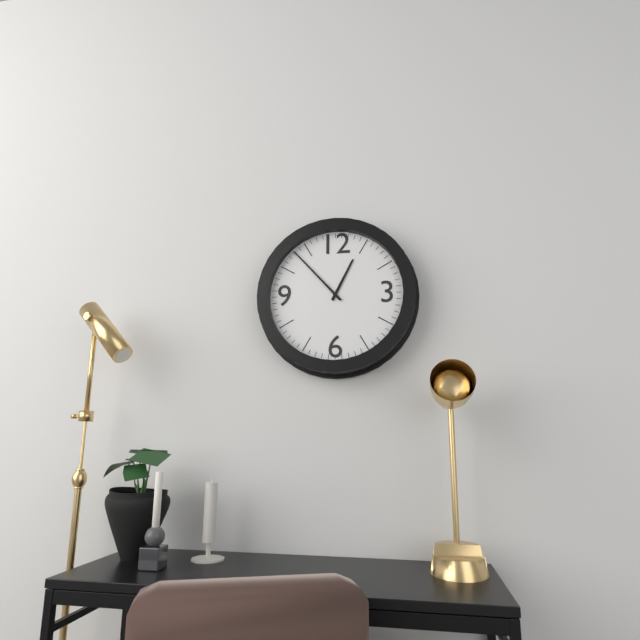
{"hour": 12, "minute": 53}
